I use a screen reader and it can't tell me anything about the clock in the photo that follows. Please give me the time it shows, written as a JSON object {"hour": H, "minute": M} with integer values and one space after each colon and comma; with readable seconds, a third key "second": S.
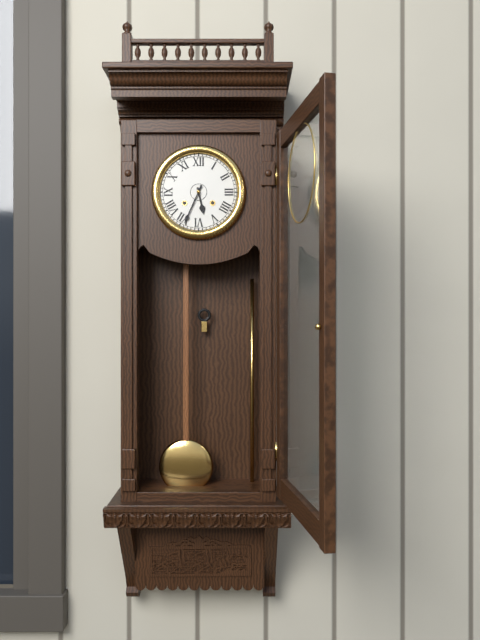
{"hour": 5, "minute": 34}
